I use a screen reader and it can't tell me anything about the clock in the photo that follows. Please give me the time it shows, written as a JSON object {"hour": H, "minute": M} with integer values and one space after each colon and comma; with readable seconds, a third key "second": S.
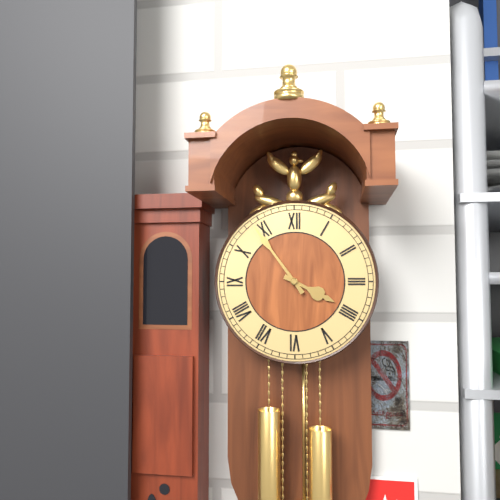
{"hour": 3, "minute": 54}
